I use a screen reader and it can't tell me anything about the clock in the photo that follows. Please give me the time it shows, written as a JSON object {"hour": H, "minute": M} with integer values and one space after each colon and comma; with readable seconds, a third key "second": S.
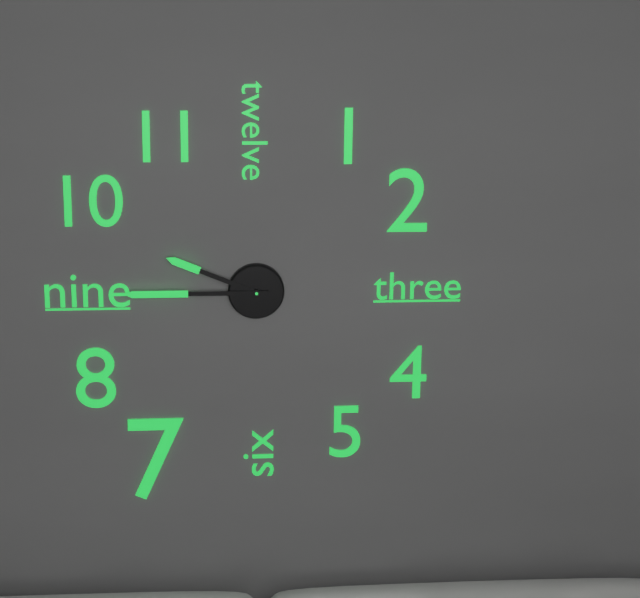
{"hour": 9, "minute": 45}
